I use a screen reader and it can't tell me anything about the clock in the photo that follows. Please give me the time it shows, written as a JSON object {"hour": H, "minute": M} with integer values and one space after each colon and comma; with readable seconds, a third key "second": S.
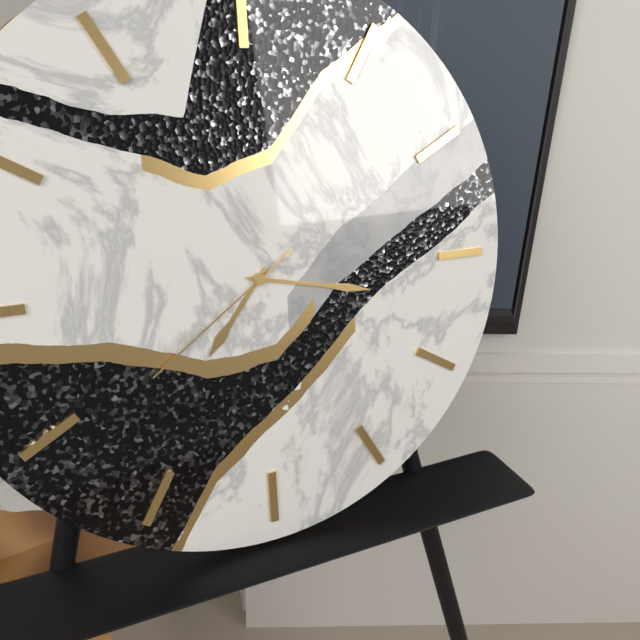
{"hour": 7, "minute": 17, "second": 39}
